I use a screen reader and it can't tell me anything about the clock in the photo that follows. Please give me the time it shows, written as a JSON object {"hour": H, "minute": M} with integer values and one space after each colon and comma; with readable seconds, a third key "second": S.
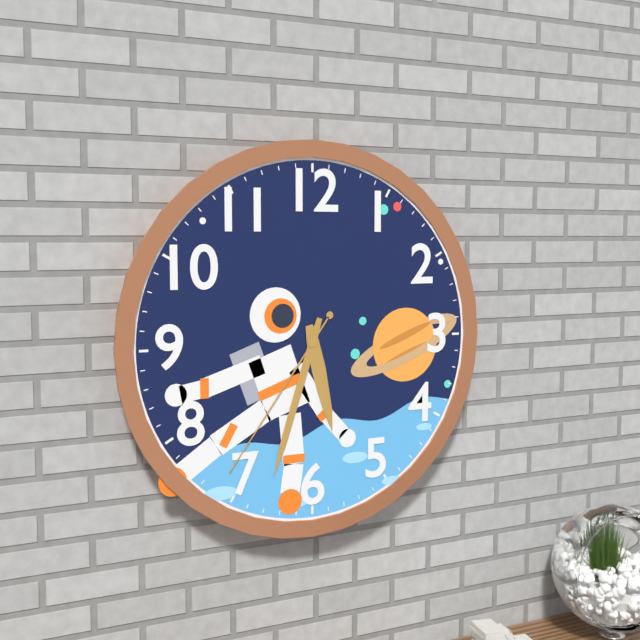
{"hour": 5, "minute": 33, "second": 36}
